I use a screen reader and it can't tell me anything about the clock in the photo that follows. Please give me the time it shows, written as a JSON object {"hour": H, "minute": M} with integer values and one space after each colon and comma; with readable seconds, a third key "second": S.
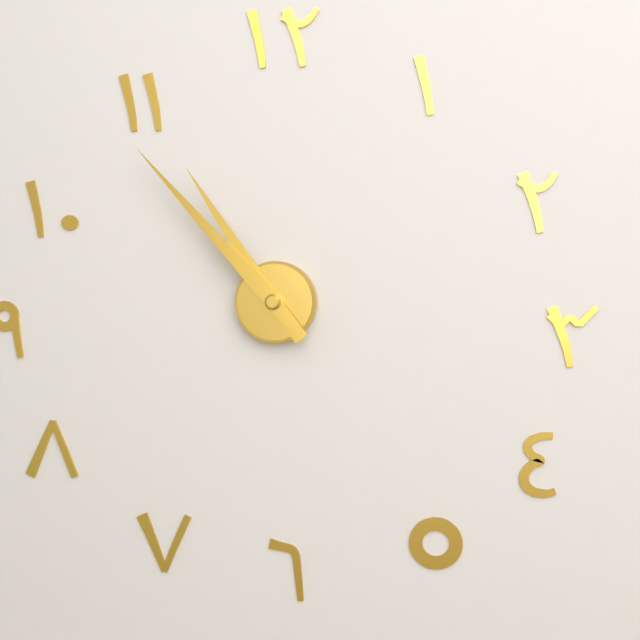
{"hour": 10, "minute": 53}
